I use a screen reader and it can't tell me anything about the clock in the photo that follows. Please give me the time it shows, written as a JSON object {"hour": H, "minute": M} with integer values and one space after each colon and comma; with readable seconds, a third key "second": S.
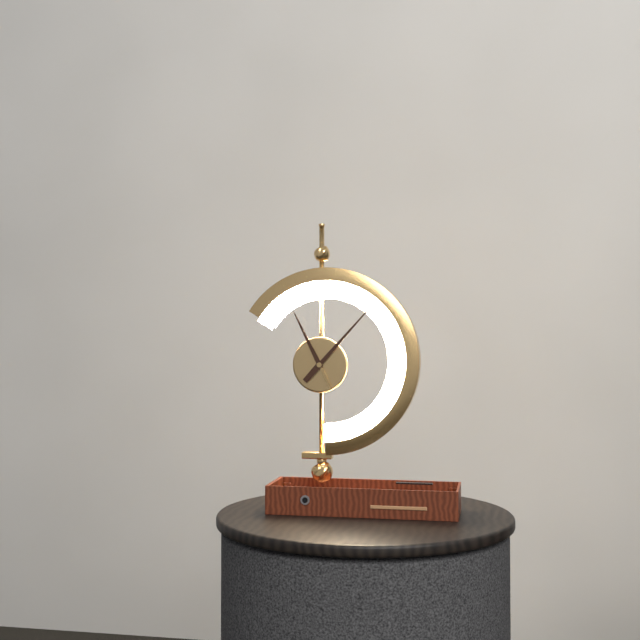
{"hour": 11, "minute": 7}
